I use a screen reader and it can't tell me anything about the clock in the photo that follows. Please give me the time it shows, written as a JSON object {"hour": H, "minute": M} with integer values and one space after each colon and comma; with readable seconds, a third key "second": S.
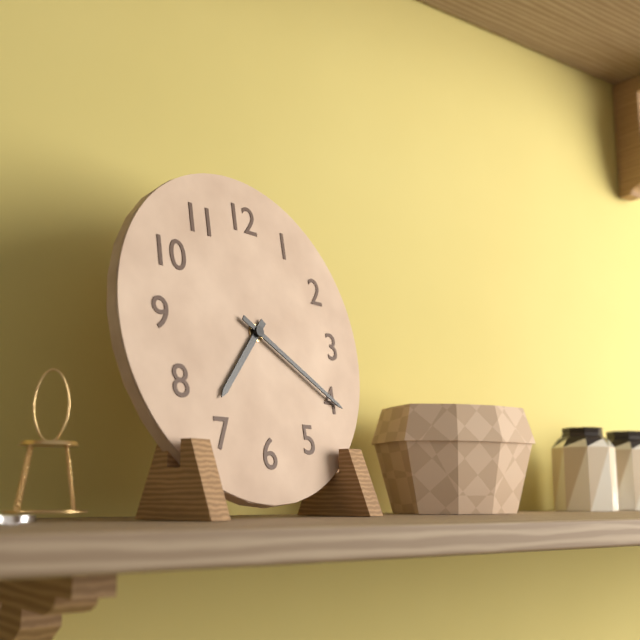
{"hour": 7, "minute": 20}
